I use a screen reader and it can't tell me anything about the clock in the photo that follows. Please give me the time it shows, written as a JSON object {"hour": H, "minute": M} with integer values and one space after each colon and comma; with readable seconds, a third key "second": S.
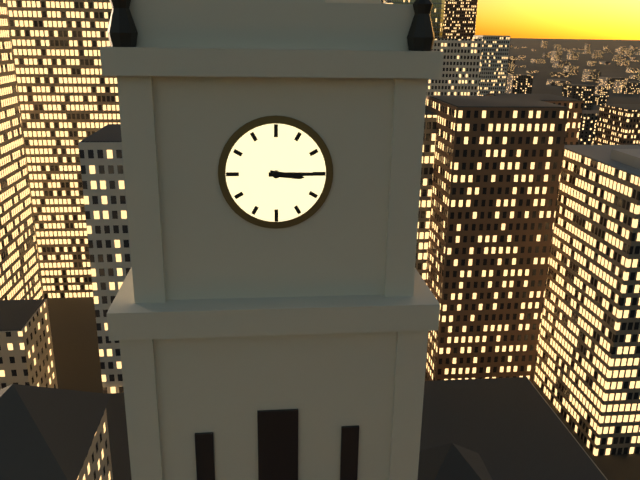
{"hour": 3, "minute": 15}
